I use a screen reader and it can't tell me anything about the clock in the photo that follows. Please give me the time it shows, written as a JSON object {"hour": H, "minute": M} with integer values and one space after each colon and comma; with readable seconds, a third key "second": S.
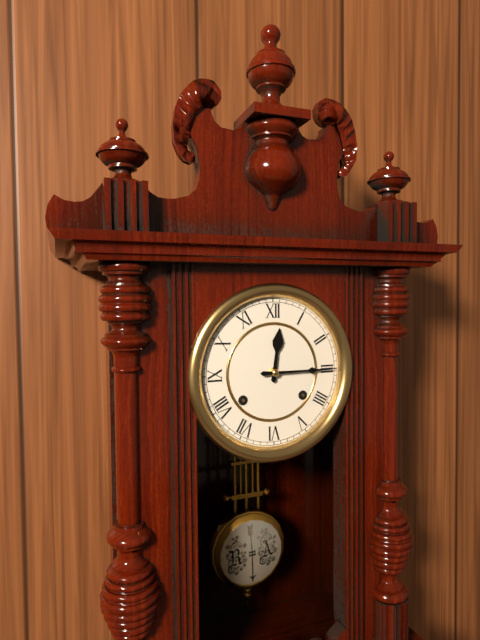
{"hour": 12, "minute": 15}
